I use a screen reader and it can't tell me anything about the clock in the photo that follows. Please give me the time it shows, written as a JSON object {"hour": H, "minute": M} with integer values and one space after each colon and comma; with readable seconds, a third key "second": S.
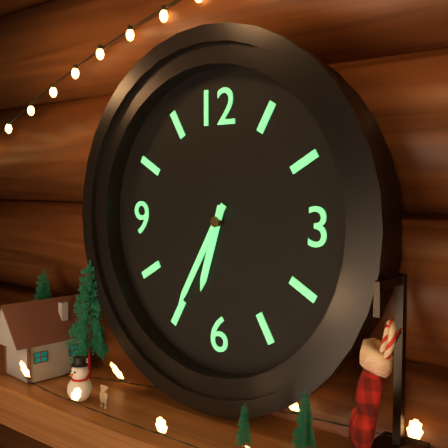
{"hour": 6, "minute": 35}
